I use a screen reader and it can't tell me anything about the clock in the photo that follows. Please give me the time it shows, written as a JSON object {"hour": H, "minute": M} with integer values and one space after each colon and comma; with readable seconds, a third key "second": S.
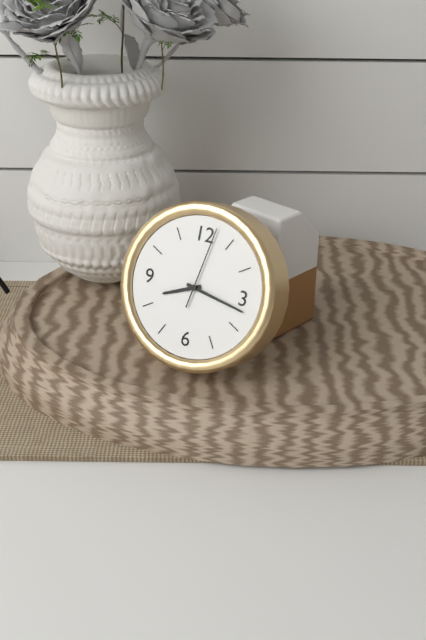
{"hour": 8, "minute": 17, "second": 2}
